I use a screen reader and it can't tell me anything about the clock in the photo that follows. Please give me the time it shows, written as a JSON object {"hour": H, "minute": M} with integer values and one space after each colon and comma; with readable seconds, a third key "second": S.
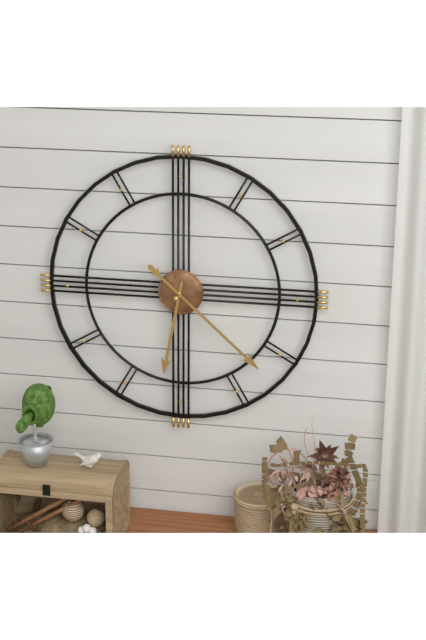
{"hour": 6, "minute": 22}
